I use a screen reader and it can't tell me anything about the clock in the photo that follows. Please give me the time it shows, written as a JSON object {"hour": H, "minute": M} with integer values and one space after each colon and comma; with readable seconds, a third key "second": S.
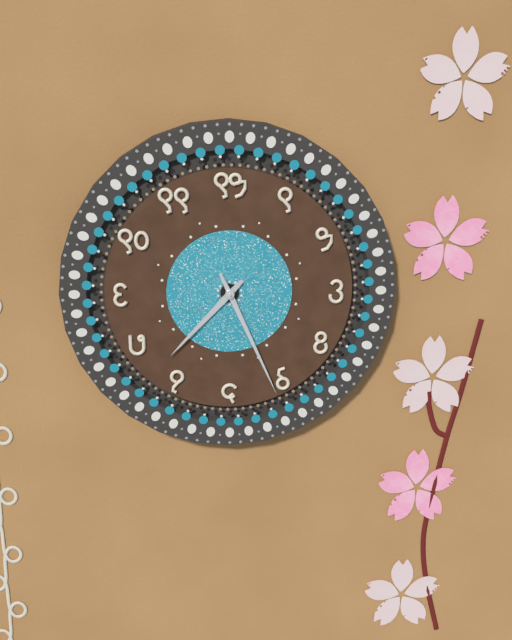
{"hour": 7, "minute": 26}
